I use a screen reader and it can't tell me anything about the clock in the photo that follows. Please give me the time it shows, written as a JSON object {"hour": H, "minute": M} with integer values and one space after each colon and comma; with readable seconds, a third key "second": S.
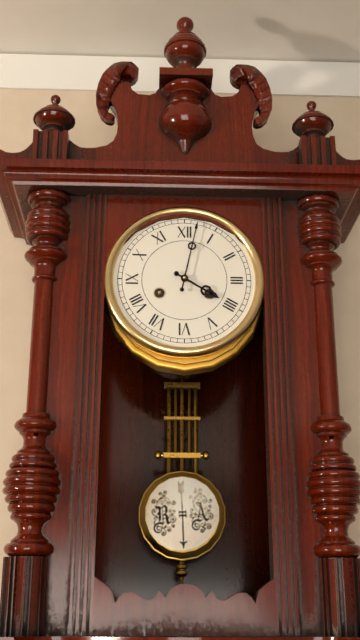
{"hour": 4, "minute": 2}
